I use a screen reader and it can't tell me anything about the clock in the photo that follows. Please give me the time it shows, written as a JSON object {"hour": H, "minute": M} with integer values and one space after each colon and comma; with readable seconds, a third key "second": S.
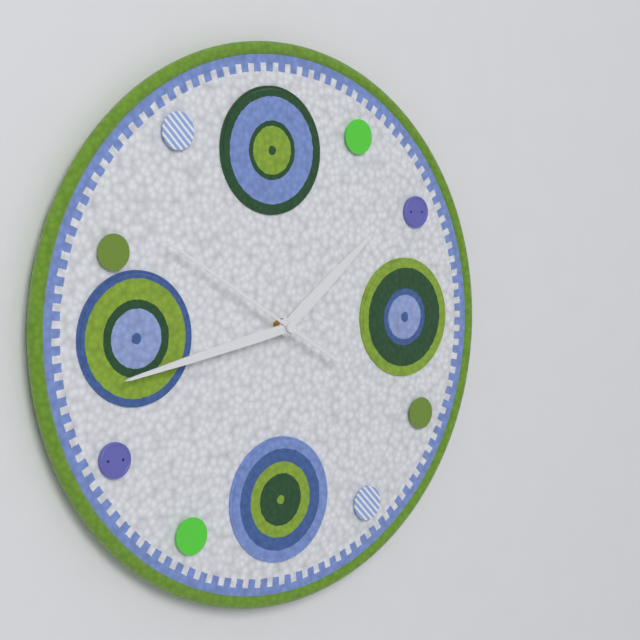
{"hour": 1, "minute": 43, "second": 50}
